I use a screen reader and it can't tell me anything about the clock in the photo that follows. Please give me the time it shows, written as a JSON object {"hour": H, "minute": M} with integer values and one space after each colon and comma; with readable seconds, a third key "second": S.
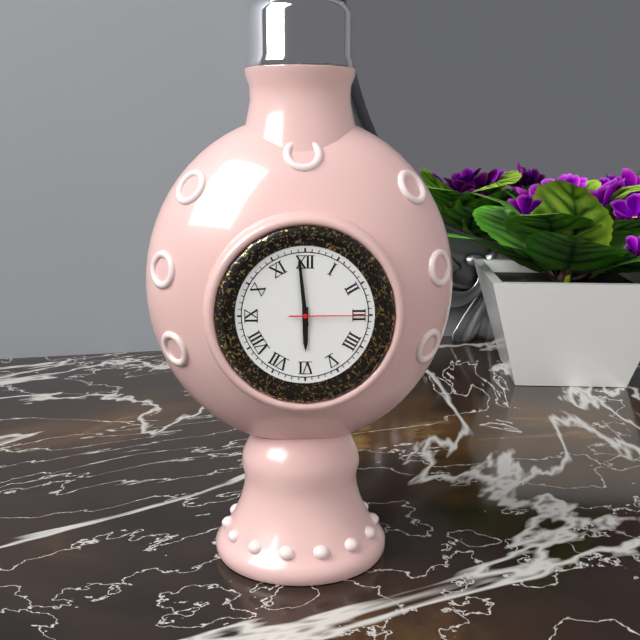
{"hour": 5, "minute": 59, "second": 15}
